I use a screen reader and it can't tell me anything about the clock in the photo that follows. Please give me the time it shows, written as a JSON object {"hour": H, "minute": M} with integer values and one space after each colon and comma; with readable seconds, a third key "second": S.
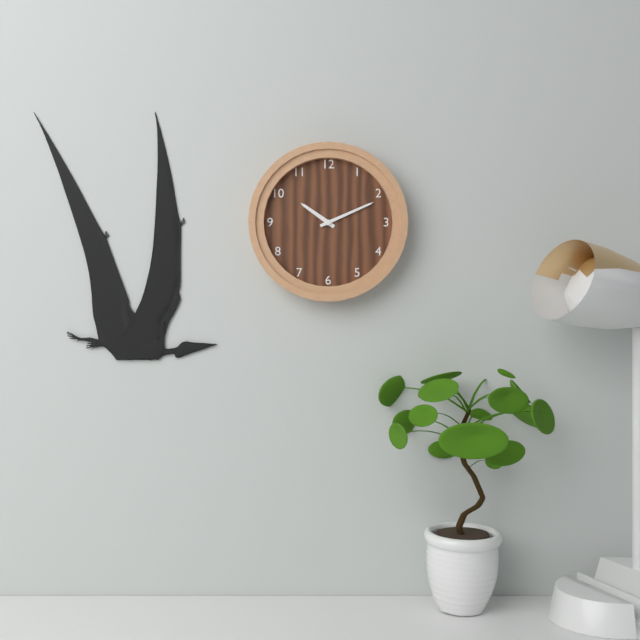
{"hour": 10, "minute": 11}
